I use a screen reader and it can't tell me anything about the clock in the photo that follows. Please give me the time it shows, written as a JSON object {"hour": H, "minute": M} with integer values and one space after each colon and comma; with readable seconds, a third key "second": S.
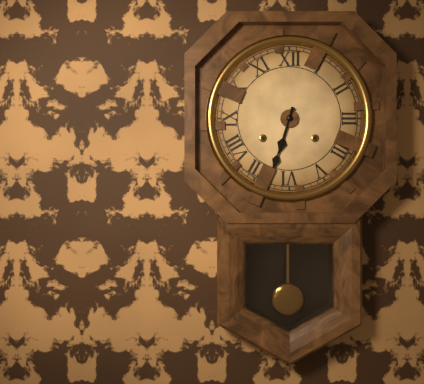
{"hour": 6, "minute": 33}
